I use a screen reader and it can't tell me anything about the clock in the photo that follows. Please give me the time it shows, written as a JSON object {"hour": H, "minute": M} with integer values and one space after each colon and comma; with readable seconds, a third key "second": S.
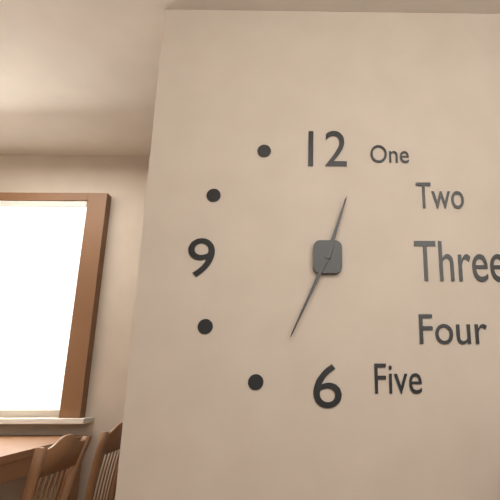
{"hour": 12, "minute": 34}
